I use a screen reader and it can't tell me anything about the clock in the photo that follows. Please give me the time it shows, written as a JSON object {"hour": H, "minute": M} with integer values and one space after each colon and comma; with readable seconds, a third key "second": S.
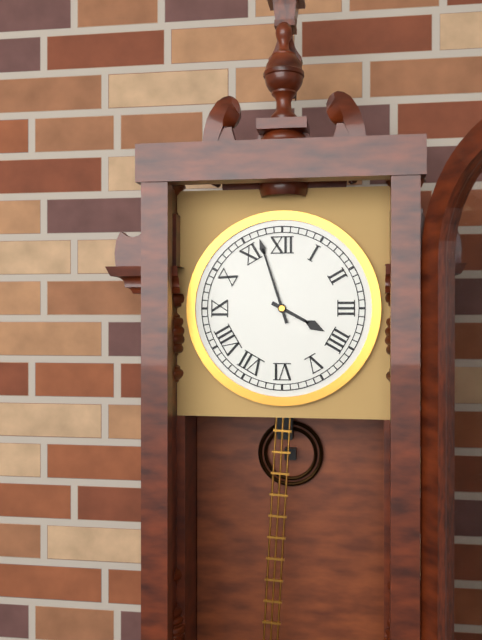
{"hour": 3, "minute": 57}
